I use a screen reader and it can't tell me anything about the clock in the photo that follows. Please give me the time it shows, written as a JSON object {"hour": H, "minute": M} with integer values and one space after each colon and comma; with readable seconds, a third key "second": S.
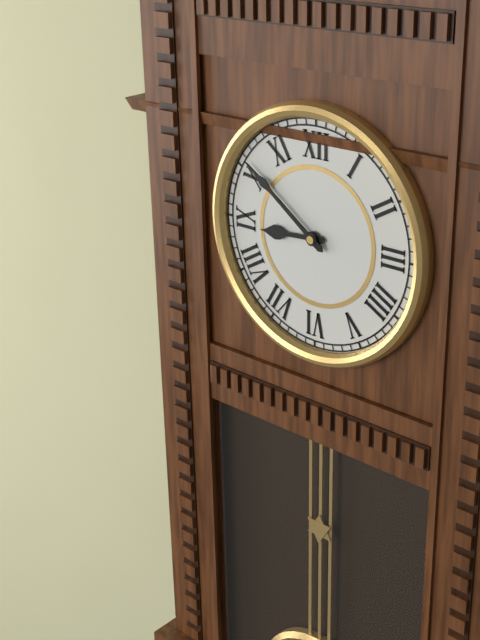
{"hour": 8, "minute": 51}
